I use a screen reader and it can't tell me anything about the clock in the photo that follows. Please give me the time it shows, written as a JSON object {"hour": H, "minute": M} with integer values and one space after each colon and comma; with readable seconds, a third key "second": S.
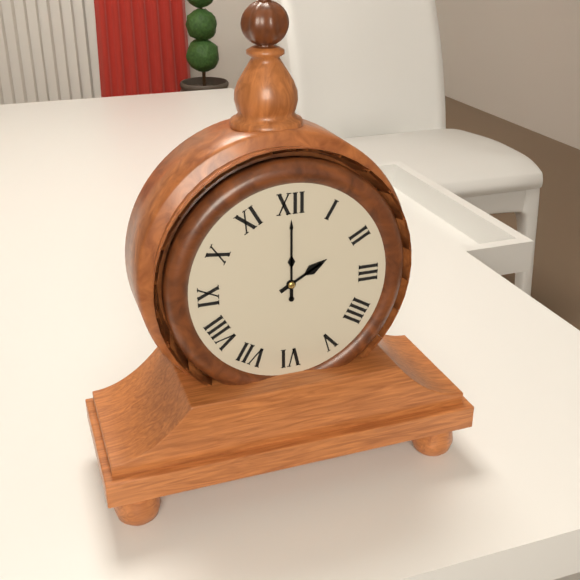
{"hour": 2, "minute": 0}
